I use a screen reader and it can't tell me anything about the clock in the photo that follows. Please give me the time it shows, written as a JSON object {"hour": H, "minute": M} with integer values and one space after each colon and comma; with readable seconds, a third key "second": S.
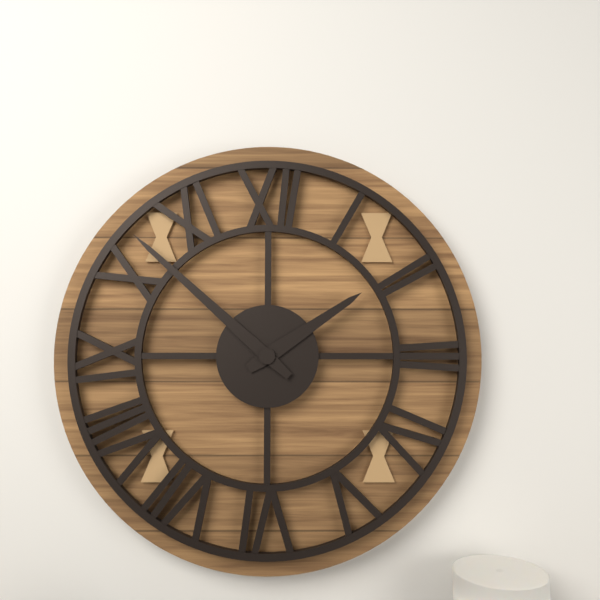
{"hour": 1, "minute": 52}
